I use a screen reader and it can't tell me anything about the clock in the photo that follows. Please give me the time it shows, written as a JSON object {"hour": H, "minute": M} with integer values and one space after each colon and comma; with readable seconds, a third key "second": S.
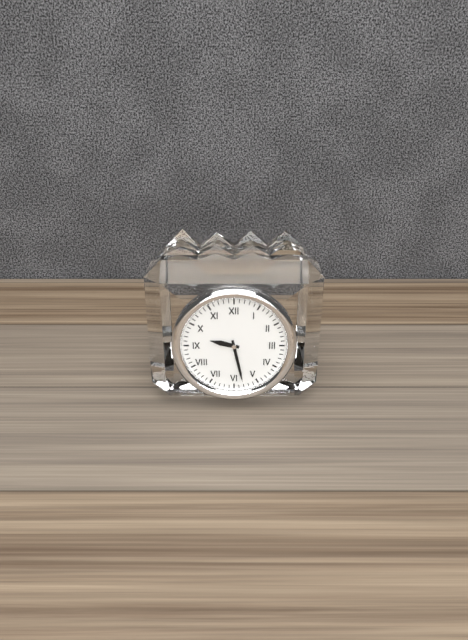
{"hour": 9, "minute": 28}
